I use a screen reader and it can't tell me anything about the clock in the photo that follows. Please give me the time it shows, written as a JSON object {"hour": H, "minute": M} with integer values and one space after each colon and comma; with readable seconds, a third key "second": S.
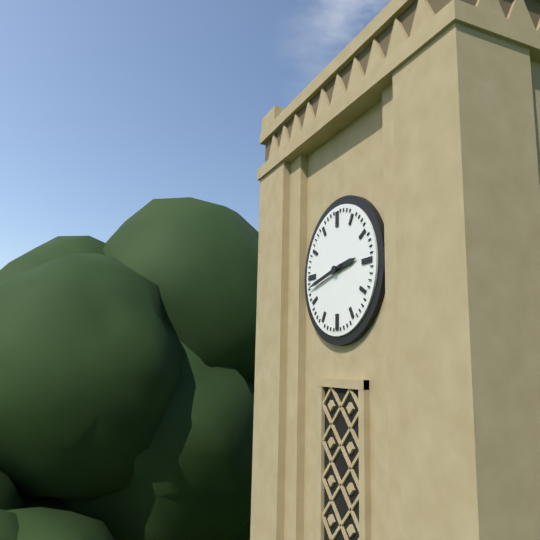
{"hour": 2, "minute": 43}
